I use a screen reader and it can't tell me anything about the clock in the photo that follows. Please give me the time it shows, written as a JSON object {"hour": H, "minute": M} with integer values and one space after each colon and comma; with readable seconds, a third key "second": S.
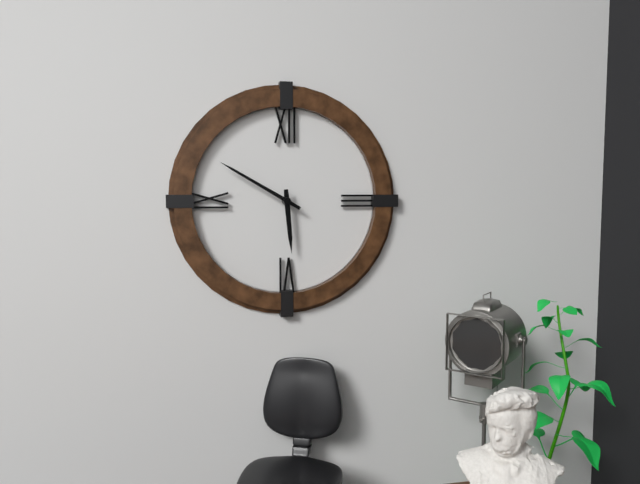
{"hour": 5, "minute": 50}
